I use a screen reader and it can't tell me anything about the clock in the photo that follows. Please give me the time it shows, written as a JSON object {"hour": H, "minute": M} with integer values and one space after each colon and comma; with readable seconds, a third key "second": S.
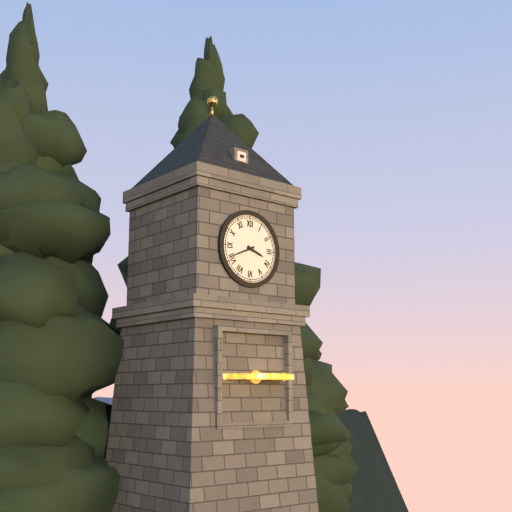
{"hour": 3, "minute": 41}
